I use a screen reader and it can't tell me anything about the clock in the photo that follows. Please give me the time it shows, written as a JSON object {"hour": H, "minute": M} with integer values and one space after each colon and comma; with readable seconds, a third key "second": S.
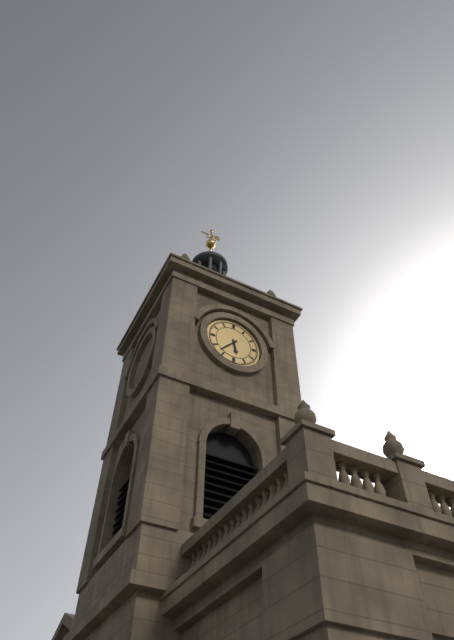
{"hour": 5, "minute": 37}
